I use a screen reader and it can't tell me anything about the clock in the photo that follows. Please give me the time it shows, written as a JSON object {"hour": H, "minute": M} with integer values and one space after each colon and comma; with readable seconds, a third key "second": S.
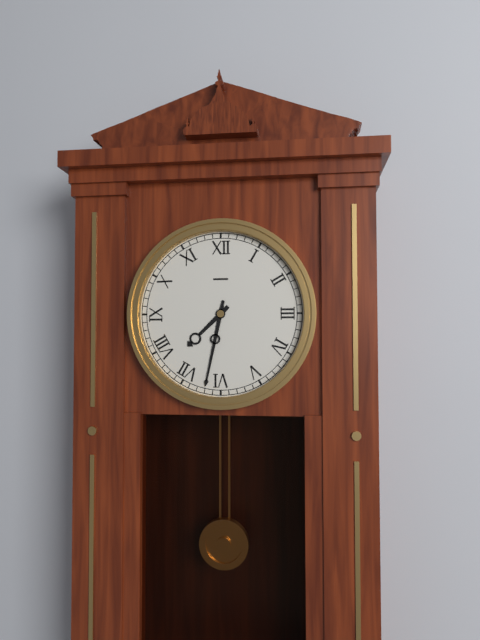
{"hour": 7, "minute": 32}
